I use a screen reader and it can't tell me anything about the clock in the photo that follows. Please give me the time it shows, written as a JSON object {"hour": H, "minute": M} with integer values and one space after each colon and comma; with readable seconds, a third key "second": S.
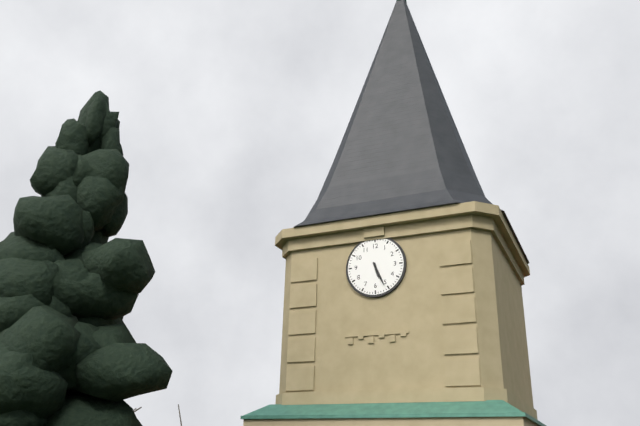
{"hour": 5, "minute": 26}
